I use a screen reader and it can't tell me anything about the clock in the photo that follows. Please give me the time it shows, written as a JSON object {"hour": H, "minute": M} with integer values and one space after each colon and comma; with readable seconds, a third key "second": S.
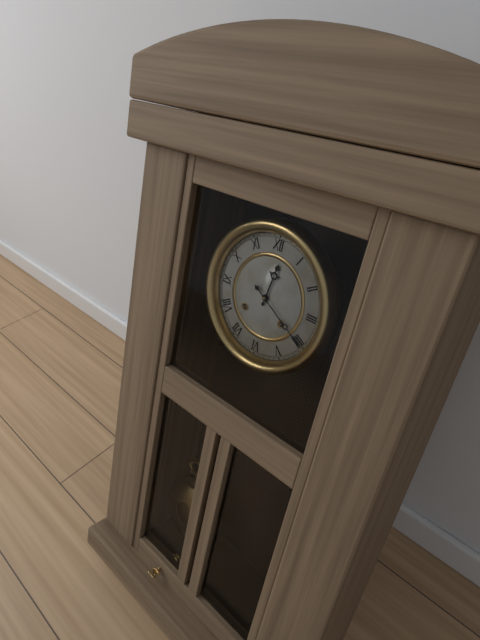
{"hour": 12, "minute": 20}
